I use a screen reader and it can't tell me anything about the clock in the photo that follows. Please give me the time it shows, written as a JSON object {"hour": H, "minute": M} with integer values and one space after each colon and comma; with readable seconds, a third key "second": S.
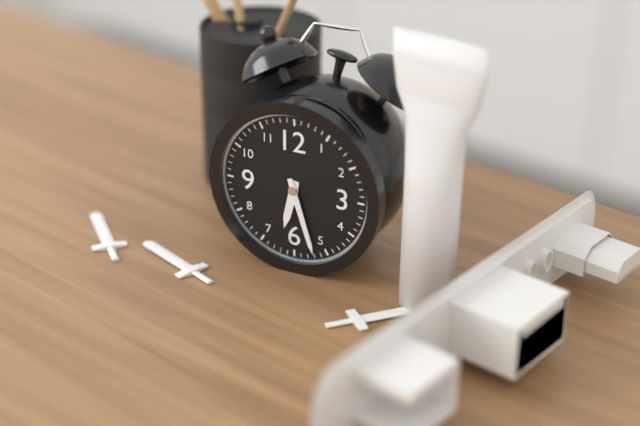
{"hour": 6, "minute": 27}
